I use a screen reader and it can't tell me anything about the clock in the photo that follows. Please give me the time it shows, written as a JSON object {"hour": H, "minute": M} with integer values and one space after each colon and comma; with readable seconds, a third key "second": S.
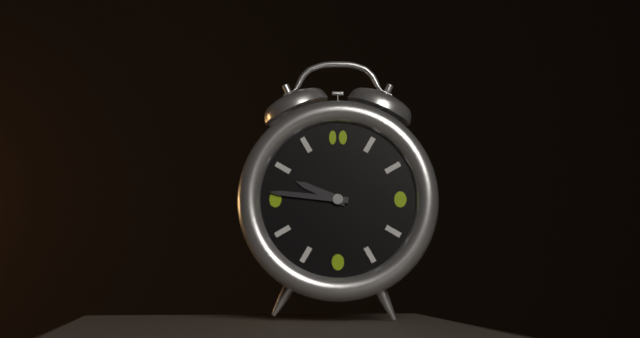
{"hour": 9, "minute": 46}
